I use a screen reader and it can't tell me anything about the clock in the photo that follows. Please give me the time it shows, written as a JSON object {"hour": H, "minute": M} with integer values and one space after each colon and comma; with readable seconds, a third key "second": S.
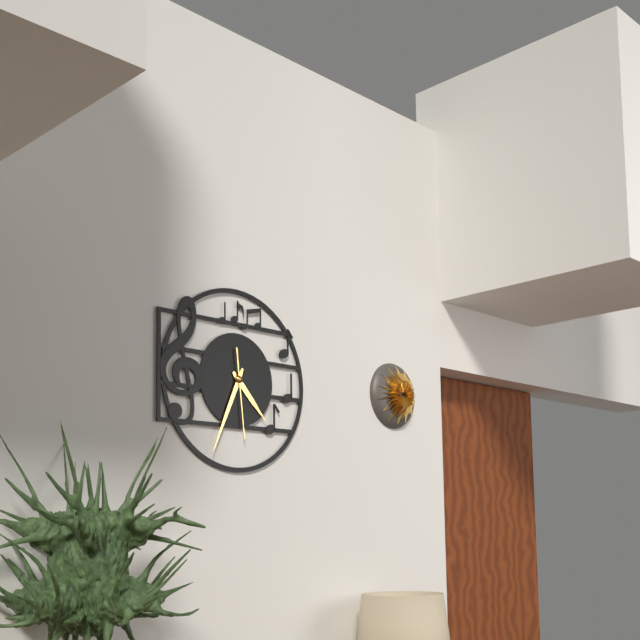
{"hour": 4, "minute": 34, "second": 29}
